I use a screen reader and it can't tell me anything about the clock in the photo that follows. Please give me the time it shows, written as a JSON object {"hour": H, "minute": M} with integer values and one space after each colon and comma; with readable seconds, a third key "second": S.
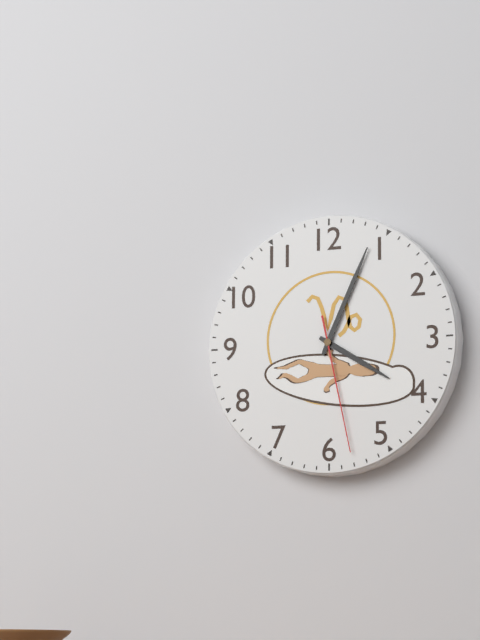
{"hour": 4, "minute": 4, "second": 28}
